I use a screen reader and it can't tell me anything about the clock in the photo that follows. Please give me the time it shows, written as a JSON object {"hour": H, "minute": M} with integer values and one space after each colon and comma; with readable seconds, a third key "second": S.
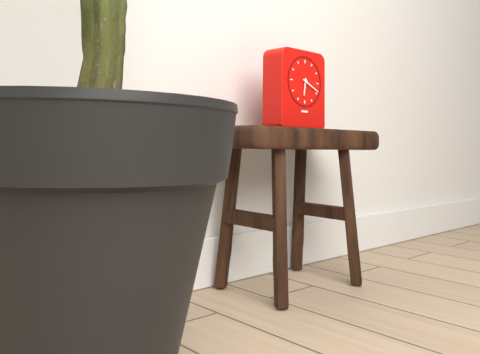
{"hour": 6, "minute": 19}
